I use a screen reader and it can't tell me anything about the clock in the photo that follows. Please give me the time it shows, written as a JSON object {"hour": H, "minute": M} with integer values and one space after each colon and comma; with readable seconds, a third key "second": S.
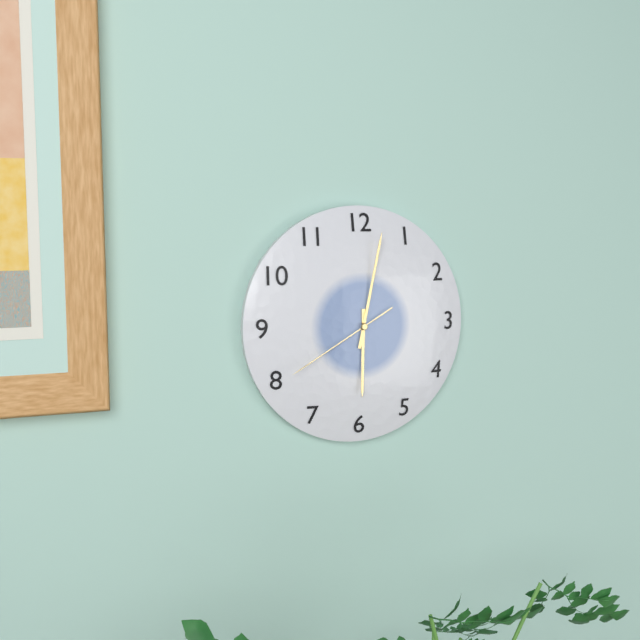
{"hour": 6, "minute": 2, "second": 40}
